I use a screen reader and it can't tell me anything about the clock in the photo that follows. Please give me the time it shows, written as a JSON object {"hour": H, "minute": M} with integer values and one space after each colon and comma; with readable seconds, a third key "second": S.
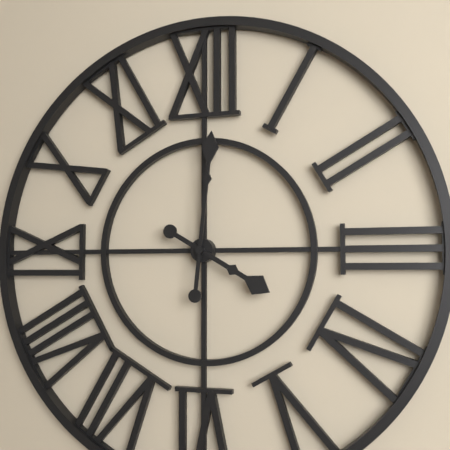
{"hour": 4, "minute": 1}
